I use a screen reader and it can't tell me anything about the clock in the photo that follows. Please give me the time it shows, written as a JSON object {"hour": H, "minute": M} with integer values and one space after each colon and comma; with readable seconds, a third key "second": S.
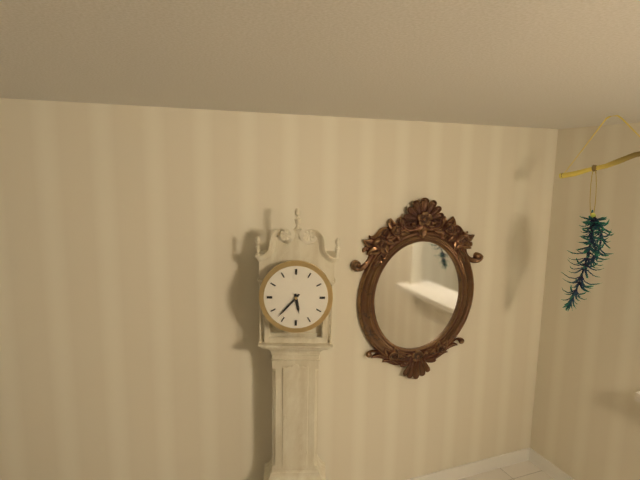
{"hour": 5, "minute": 37}
